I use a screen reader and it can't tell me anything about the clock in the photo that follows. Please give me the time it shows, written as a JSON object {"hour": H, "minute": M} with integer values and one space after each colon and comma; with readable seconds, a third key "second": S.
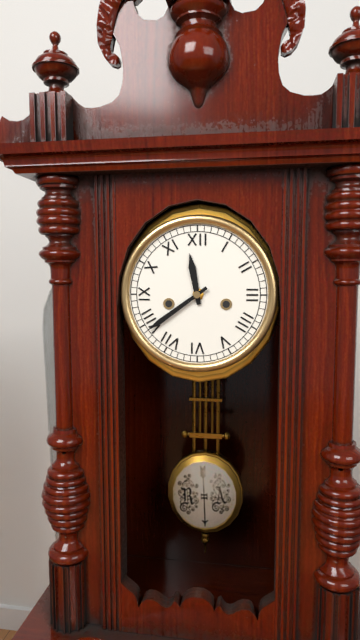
{"hour": 11, "minute": 39}
